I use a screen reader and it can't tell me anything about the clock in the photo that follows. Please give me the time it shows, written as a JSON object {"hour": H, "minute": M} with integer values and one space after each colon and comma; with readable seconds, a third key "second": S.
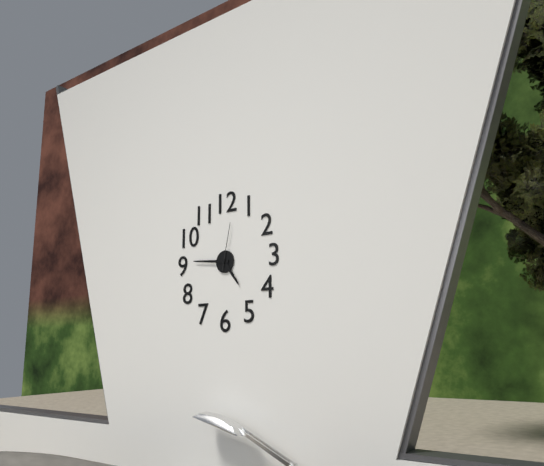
{"hour": 4, "minute": 46, "second": 2}
